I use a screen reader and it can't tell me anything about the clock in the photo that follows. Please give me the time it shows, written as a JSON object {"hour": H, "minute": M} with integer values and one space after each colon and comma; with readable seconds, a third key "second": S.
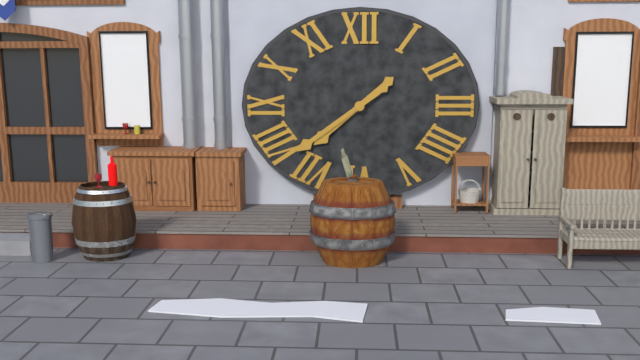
{"hour": 7, "minute": 39}
